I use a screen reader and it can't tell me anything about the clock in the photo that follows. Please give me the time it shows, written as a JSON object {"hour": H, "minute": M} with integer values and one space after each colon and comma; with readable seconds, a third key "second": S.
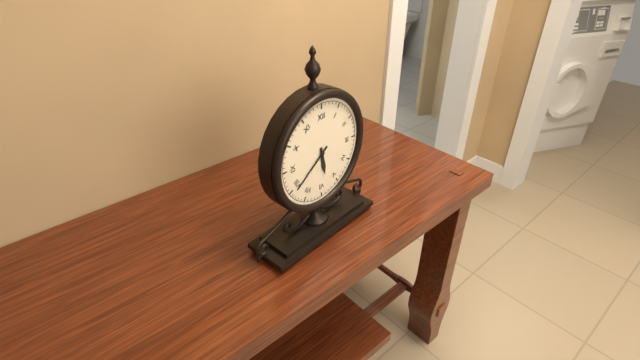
{"hour": 5, "minute": 39}
